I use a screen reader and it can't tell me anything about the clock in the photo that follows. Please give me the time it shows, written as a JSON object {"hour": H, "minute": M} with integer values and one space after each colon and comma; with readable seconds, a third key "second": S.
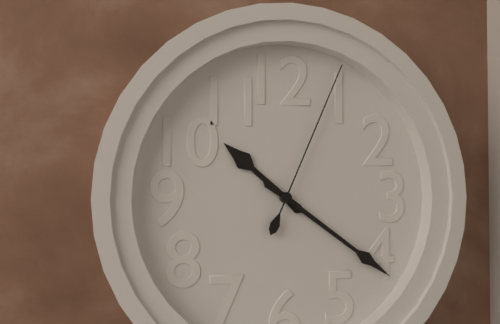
{"hour": 10, "minute": 21, "second": 4}
